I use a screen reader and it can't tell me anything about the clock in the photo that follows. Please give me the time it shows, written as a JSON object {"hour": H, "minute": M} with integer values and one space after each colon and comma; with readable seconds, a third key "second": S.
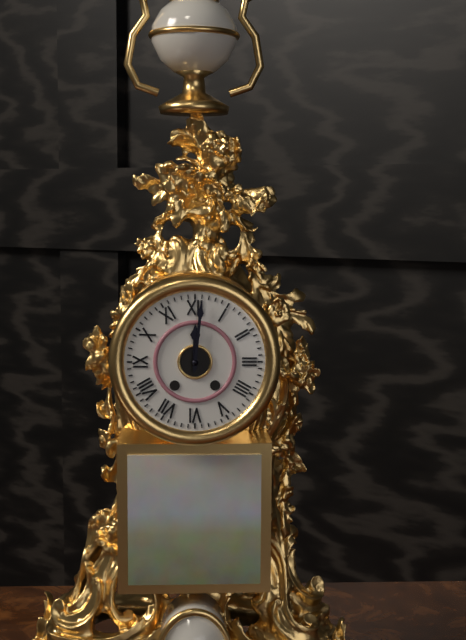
{"hour": 12, "minute": 1}
